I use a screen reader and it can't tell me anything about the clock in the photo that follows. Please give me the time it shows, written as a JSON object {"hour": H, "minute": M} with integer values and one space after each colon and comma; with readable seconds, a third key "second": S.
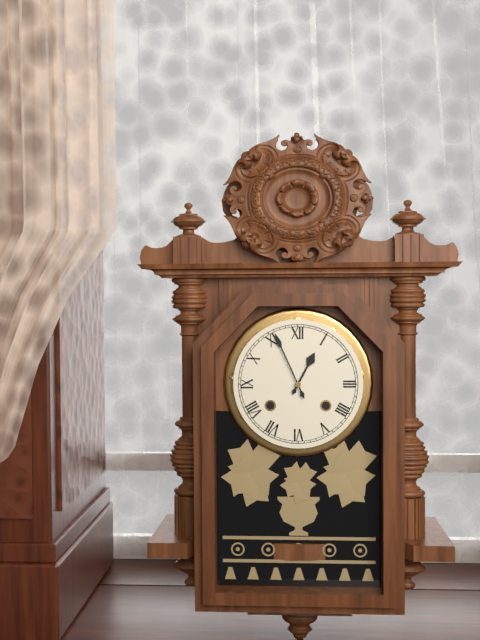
{"hour": 12, "minute": 56}
